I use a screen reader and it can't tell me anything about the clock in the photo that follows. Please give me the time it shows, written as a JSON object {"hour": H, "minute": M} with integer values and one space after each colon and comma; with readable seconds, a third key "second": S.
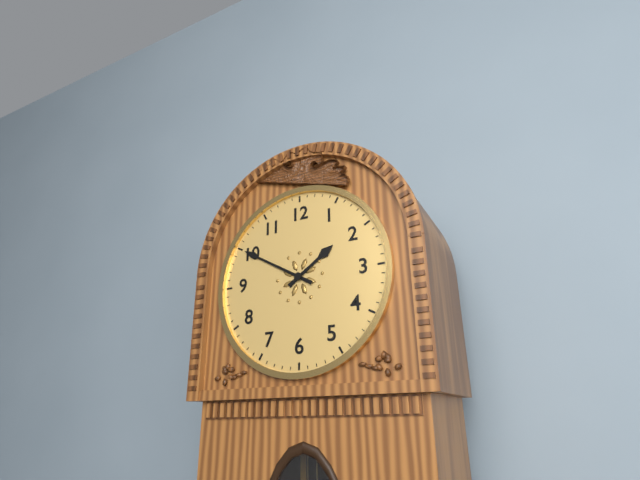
{"hour": 1, "minute": 50}
